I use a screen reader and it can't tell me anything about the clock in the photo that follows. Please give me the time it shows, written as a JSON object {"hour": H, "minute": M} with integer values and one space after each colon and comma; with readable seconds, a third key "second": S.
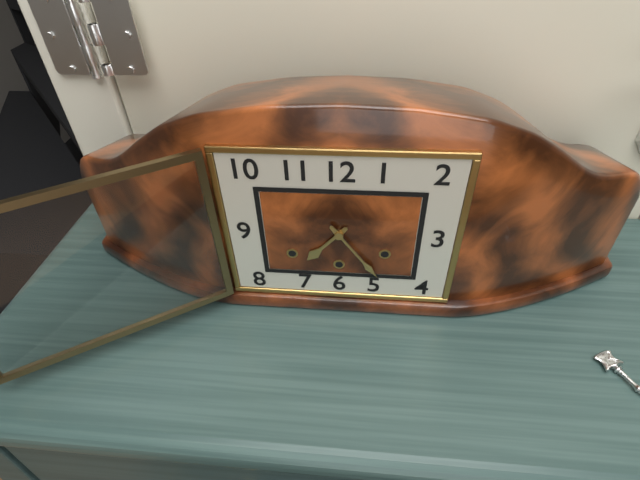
{"hour": 7, "minute": 24}
